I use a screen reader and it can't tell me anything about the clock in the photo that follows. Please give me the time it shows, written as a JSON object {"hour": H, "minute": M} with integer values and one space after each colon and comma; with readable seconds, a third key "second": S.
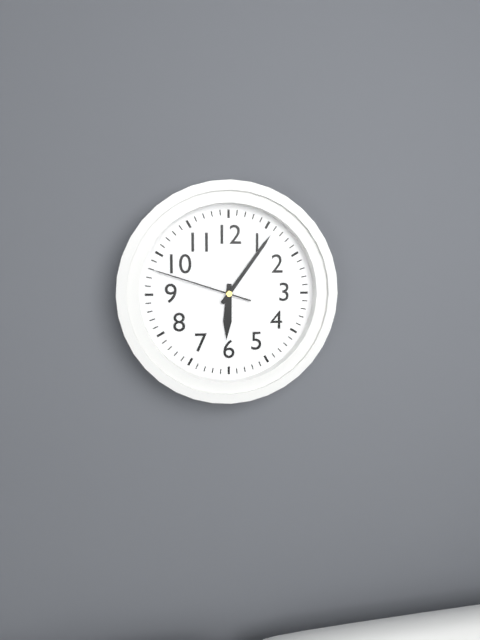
{"hour": 6, "minute": 6, "second": 48}
